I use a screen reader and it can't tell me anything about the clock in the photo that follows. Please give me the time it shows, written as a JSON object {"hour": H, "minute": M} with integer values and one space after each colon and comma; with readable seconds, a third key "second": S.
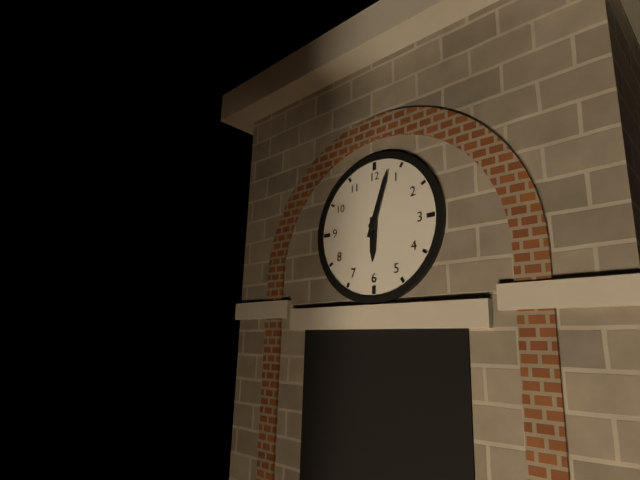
{"hour": 6, "minute": 3}
